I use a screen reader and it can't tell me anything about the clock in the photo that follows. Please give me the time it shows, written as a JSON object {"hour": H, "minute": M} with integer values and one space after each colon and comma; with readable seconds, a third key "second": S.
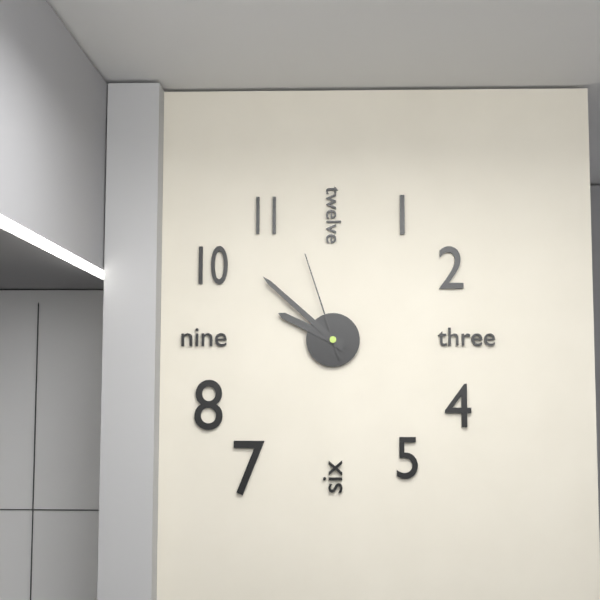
{"hour": 9, "minute": 52, "second": 57}
